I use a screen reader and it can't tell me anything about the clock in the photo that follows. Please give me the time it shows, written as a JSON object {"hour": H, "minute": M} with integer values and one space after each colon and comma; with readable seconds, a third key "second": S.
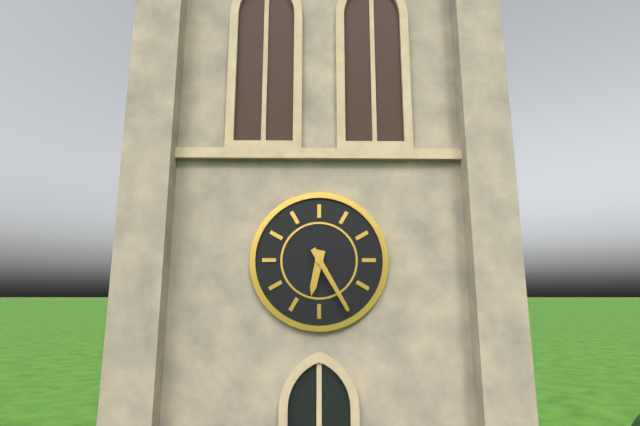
{"hour": 6, "minute": 25}
